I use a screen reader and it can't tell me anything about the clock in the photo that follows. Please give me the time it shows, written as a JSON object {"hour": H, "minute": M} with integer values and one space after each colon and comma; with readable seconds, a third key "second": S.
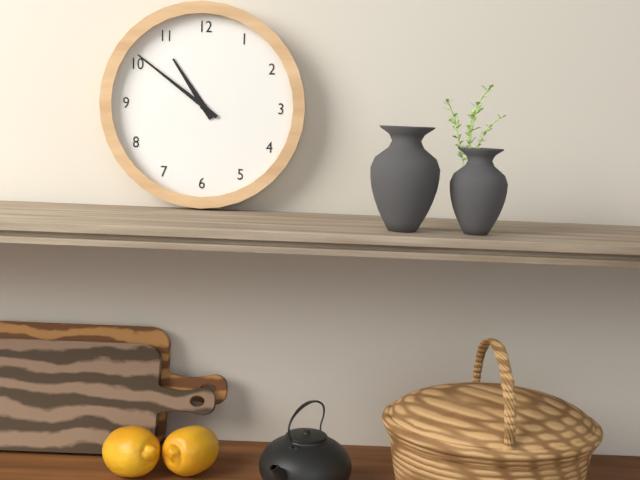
{"hour": 10, "minute": 51}
